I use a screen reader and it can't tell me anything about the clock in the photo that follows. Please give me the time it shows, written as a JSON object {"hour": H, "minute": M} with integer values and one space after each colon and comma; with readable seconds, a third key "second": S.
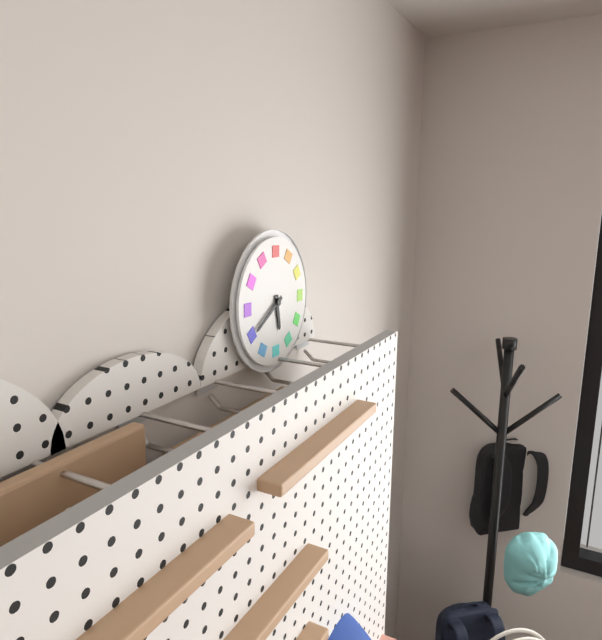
{"hour": 5, "minute": 40}
